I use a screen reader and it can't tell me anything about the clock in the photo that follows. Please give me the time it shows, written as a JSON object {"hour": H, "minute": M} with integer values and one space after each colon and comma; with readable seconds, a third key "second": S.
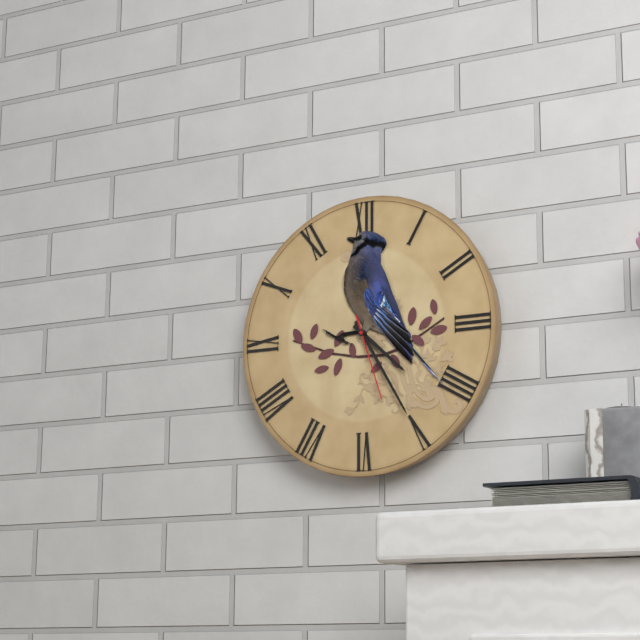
{"hour": 4, "minute": 25, "second": 27}
